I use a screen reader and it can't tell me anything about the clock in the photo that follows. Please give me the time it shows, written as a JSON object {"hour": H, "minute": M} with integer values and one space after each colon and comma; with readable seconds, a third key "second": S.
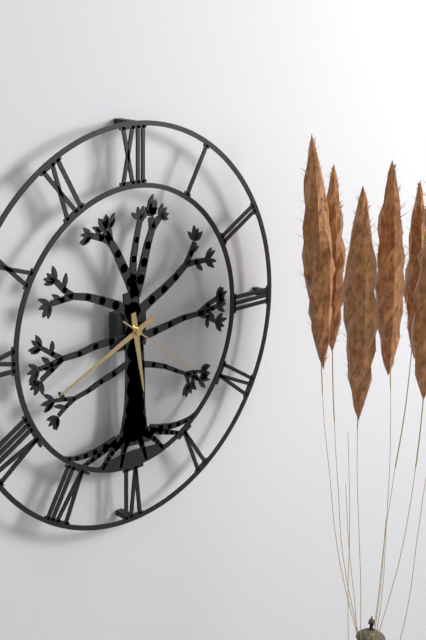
{"hour": 5, "minute": 41, "second": 21}
